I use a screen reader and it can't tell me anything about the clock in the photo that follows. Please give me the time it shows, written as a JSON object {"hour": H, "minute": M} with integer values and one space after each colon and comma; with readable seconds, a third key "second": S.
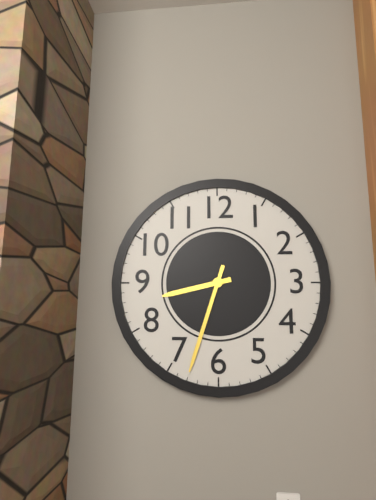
{"hour": 8, "minute": 33}
